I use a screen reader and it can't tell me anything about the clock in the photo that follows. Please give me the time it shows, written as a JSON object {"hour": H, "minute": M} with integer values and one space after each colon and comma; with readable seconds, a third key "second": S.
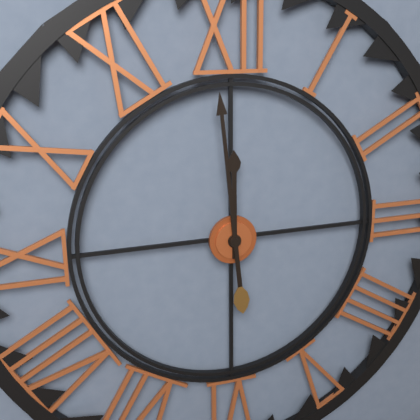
{"hour": 11, "minute": 59}
